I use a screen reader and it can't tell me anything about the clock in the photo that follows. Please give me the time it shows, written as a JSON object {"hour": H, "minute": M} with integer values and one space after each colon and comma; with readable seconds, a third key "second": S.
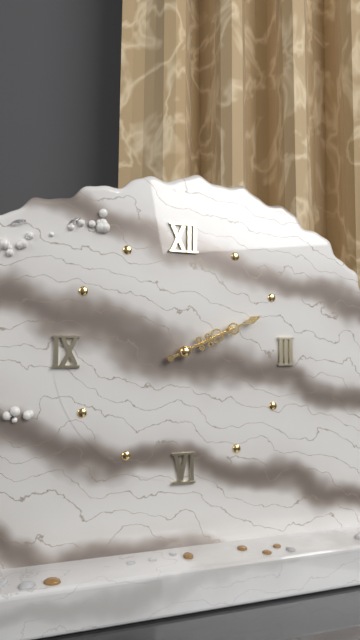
{"hour": 2, "minute": 11}
